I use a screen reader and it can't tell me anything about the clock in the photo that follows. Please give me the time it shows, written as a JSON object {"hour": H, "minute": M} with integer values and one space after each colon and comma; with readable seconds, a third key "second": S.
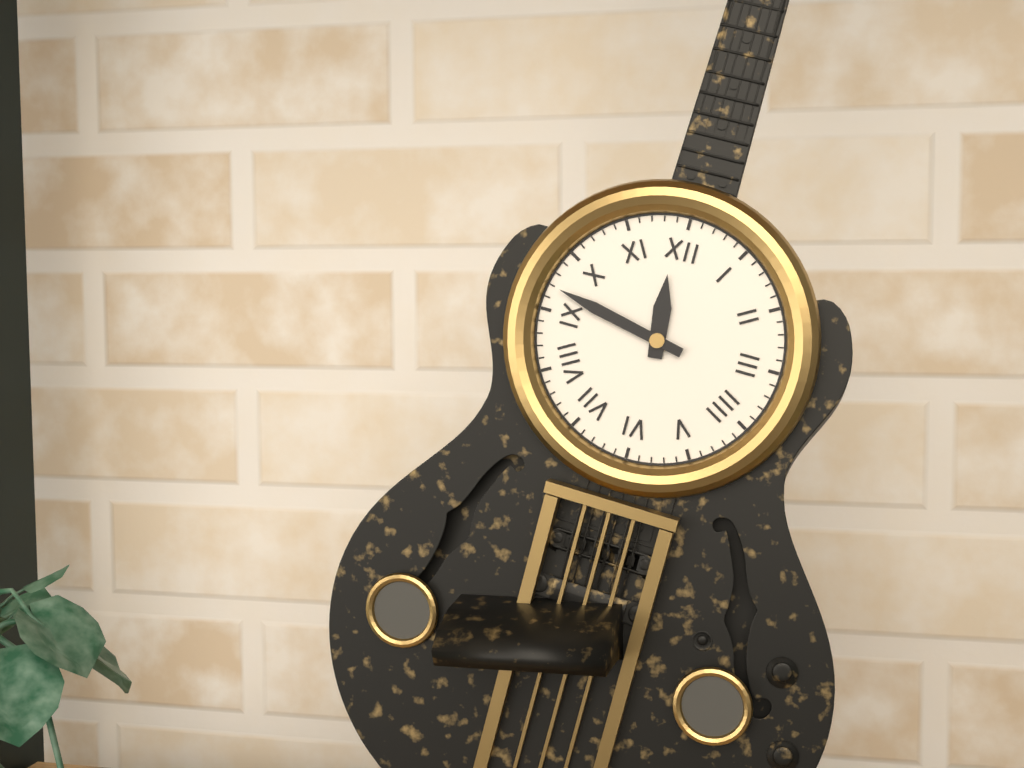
{"hour": 11, "minute": 47}
